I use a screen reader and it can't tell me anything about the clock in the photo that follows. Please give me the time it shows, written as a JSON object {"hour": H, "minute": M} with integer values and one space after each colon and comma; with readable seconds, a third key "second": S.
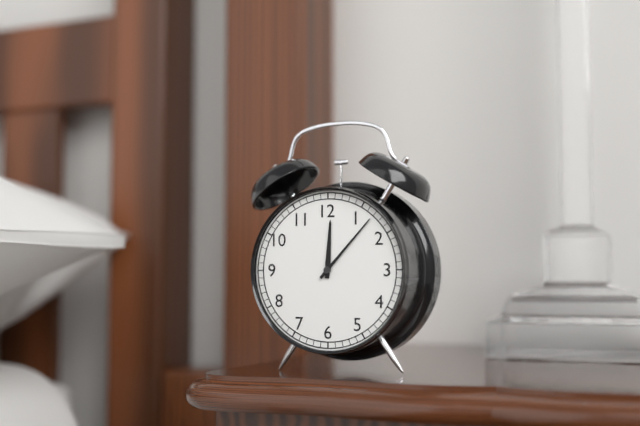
{"hour": 12, "minute": 7}
